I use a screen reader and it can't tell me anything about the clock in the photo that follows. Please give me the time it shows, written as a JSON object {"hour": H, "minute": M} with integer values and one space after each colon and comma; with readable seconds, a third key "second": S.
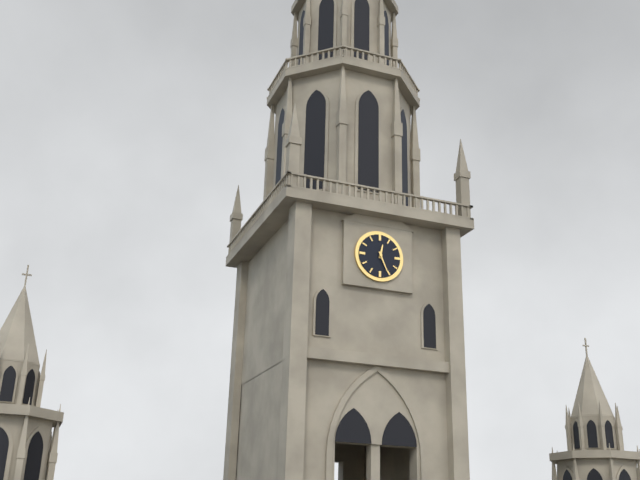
{"hour": 12, "minute": 26}
